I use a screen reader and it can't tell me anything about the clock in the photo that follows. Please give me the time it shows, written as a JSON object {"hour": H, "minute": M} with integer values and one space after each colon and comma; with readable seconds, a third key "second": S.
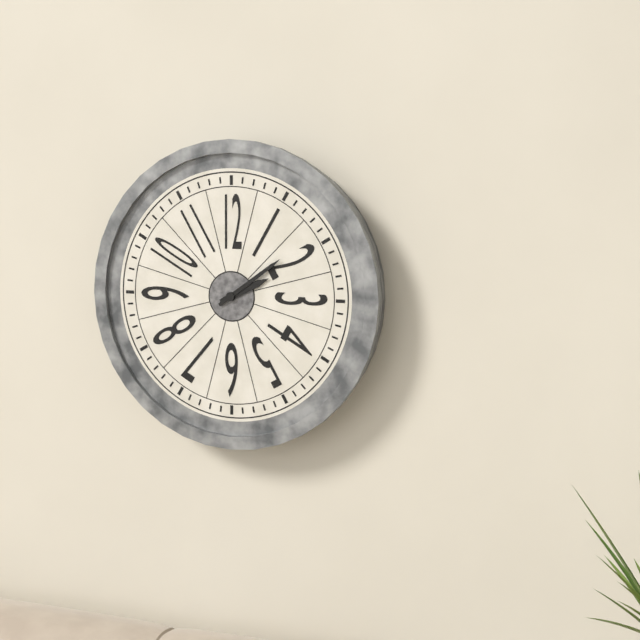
{"hour": 2, "minute": 9}
